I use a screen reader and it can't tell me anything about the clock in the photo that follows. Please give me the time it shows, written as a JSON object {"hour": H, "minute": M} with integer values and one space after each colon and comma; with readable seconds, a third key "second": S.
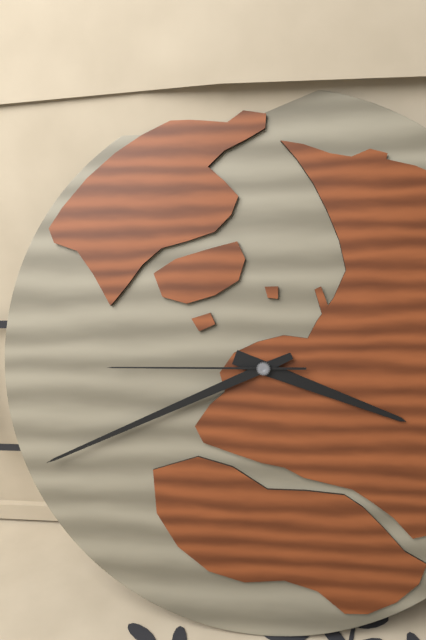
{"hour": 3, "minute": 41, "second": 45}
